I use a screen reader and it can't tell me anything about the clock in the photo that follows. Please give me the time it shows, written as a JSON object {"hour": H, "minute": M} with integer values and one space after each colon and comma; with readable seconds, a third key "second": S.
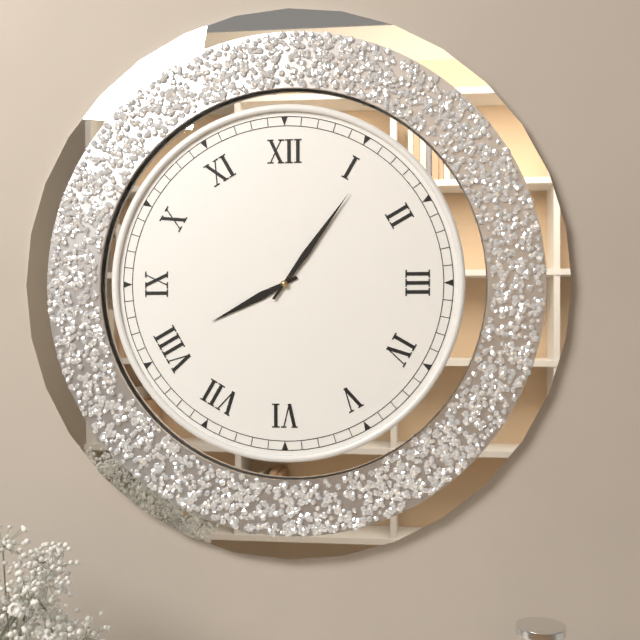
{"hour": 8, "minute": 6}
